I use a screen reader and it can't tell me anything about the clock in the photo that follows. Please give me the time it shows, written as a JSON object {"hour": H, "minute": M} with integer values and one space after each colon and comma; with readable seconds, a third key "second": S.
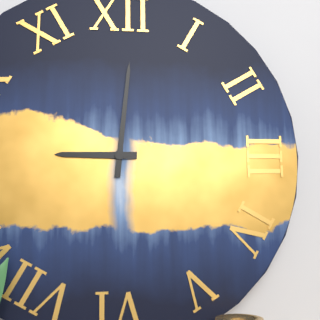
{"hour": 9, "minute": 1}
